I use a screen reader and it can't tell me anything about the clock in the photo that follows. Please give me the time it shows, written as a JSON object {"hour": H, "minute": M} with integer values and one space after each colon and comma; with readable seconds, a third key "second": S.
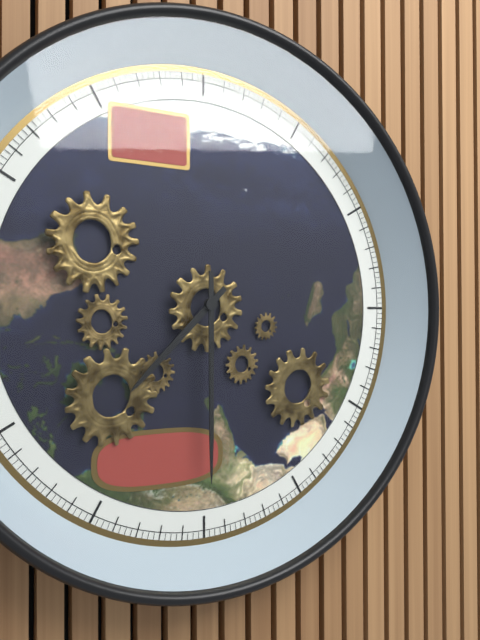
{"hour": 7, "minute": 30}
